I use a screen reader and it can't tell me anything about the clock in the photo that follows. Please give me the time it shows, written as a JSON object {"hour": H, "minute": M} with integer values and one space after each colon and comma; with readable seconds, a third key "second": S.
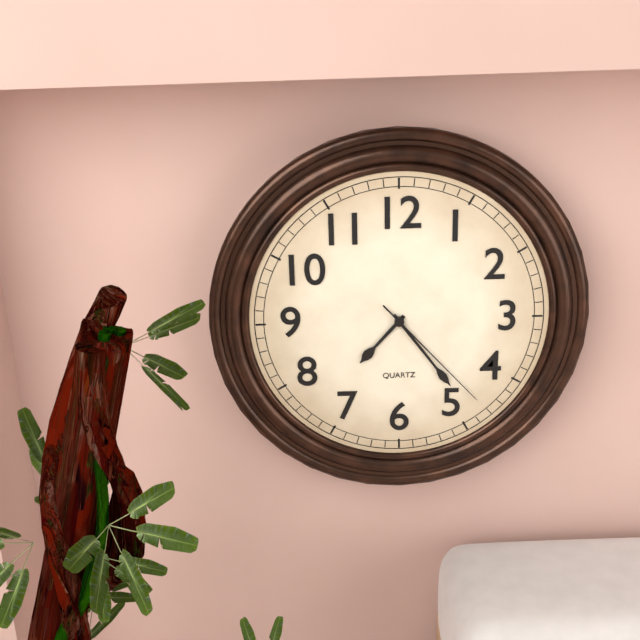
{"hour": 7, "minute": 24, "second": 23}
